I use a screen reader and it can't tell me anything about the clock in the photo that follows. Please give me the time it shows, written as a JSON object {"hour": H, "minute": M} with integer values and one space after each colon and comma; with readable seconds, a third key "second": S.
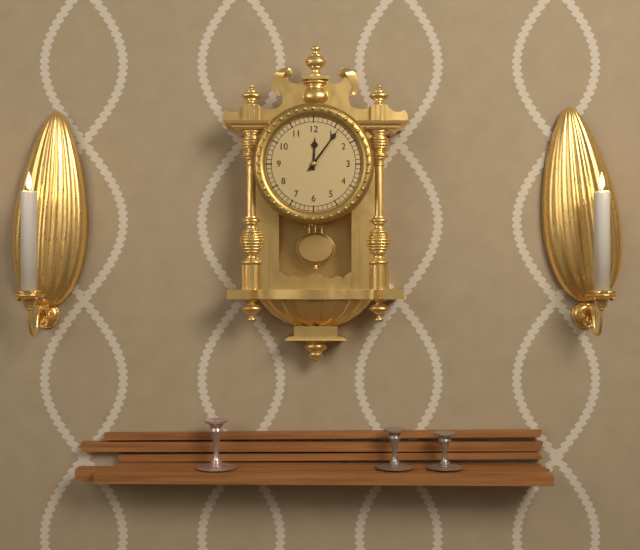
{"hour": 12, "minute": 6}
